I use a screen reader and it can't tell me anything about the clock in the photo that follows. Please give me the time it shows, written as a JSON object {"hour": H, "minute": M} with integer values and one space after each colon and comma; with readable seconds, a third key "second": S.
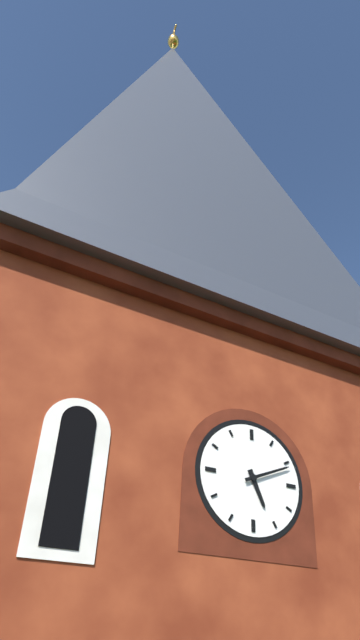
{"hour": 5, "minute": 11}
